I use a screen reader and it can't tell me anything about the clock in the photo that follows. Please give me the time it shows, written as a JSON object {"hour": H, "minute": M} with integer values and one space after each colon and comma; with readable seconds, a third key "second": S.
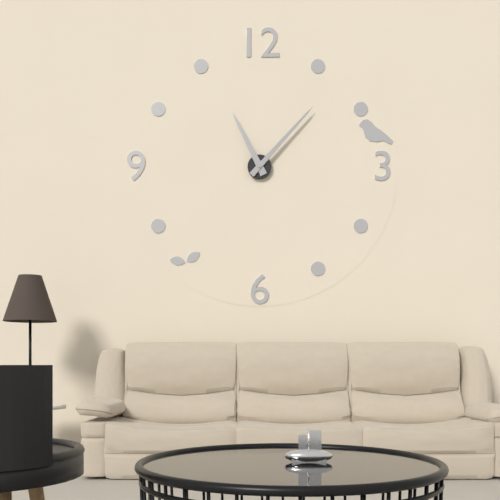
{"hour": 11, "minute": 7}
